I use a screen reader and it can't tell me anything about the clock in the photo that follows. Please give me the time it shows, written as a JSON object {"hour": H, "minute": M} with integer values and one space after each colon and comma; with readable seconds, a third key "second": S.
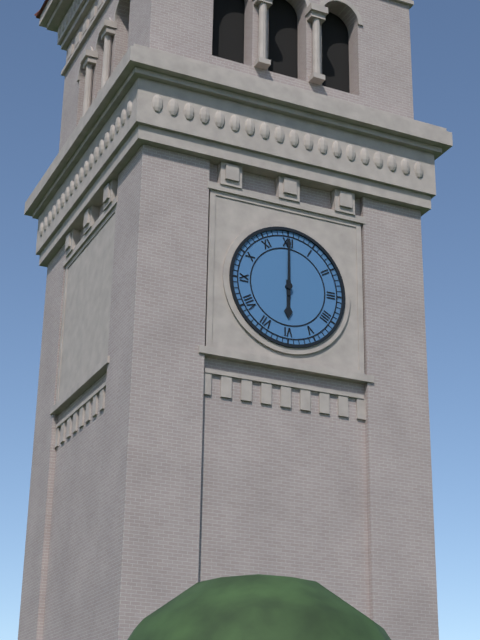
{"hour": 6, "minute": 0}
